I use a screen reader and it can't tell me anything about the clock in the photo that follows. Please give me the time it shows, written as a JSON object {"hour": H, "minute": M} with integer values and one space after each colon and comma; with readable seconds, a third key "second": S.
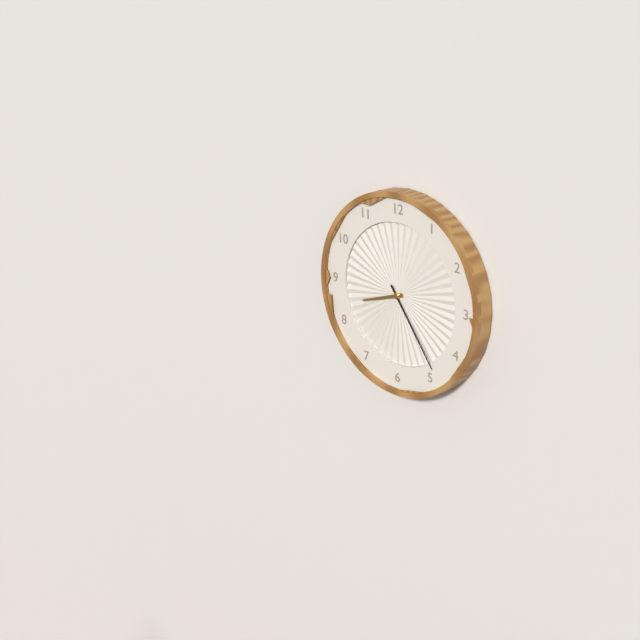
{"hour": 8, "minute": 24}
